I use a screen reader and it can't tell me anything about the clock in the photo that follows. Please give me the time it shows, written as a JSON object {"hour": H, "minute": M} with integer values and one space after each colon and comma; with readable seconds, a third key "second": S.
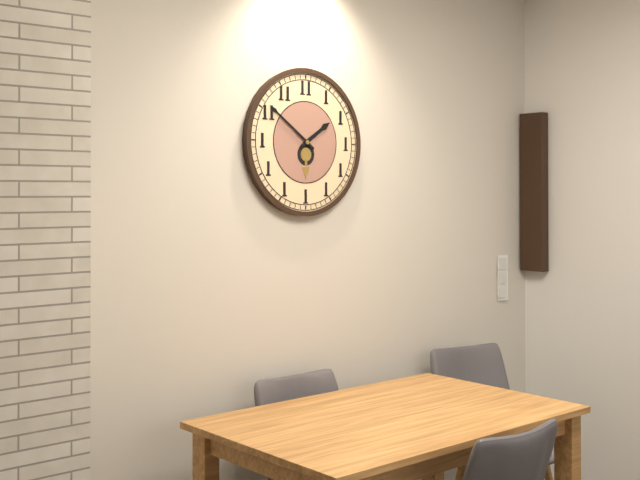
{"hour": 1, "minute": 51}
